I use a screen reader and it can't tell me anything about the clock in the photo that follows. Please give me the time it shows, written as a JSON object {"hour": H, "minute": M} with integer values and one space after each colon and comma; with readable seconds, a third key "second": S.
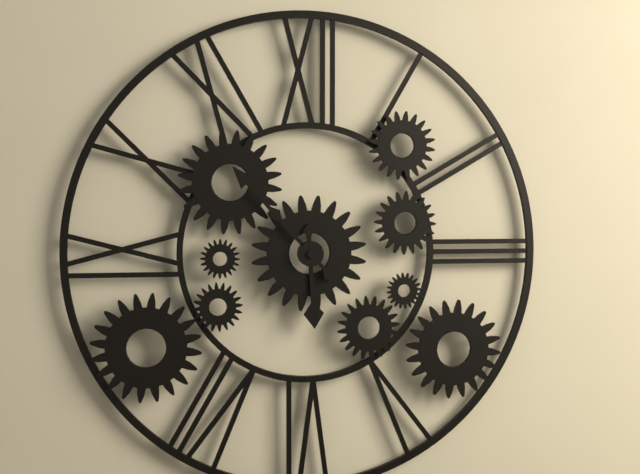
{"hour": 5, "minute": 53}
